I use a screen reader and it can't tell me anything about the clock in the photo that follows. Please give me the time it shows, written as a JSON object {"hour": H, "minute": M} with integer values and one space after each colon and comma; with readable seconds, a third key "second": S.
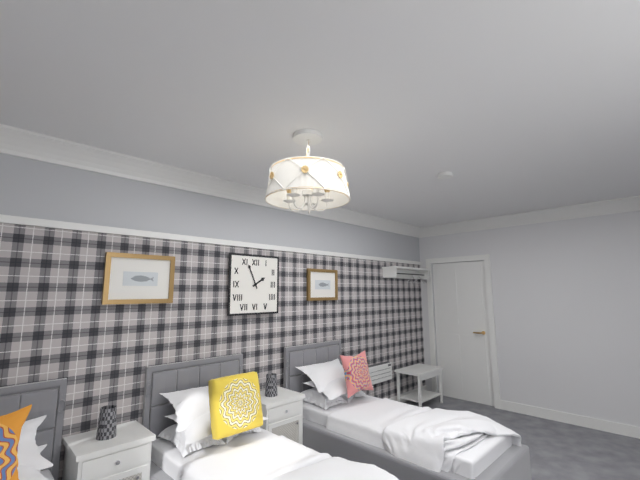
{"hour": 1, "minute": 56}
